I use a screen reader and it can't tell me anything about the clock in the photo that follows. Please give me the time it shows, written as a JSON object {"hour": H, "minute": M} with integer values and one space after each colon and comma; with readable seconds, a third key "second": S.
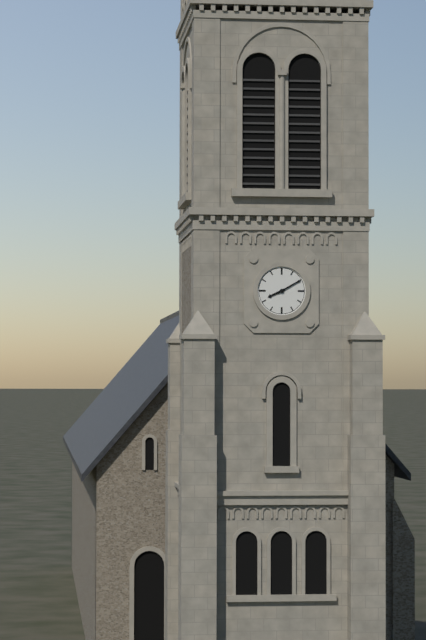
{"hour": 8, "minute": 10}
